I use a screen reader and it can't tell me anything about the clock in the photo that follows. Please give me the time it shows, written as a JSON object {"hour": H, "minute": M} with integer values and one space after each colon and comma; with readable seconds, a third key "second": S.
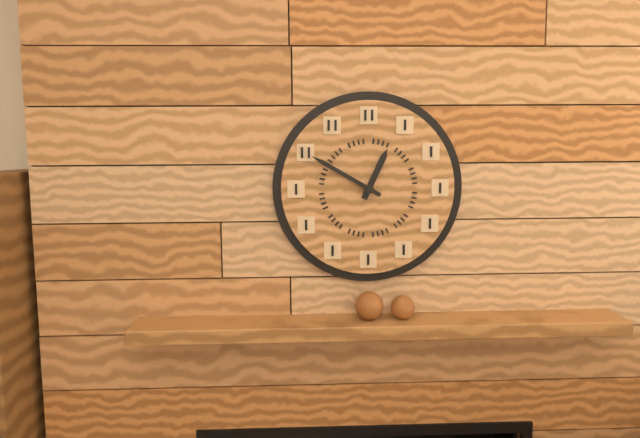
{"hour": 12, "minute": 50}
